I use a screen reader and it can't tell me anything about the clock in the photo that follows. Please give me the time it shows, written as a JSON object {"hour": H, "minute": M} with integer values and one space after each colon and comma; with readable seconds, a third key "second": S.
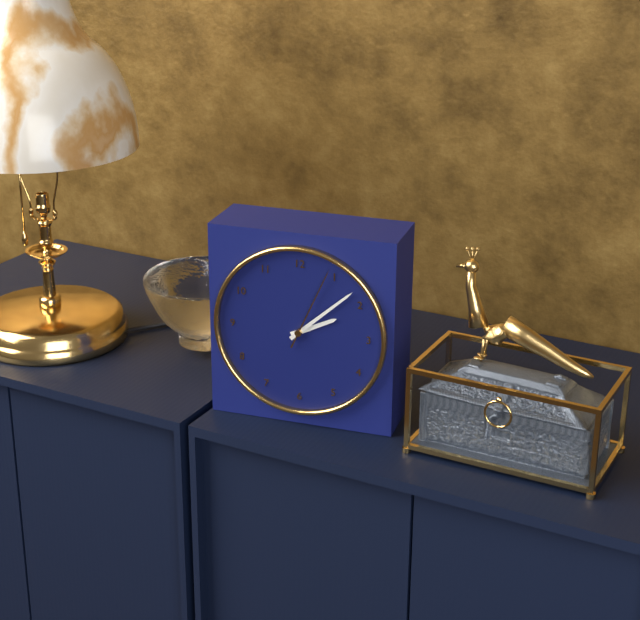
{"hour": 2, "minute": 8, "second": 4}
